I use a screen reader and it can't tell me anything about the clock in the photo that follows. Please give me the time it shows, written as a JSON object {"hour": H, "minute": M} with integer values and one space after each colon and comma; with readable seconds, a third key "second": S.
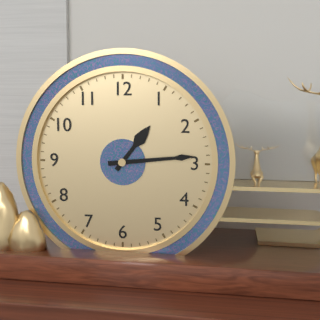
{"hour": 1, "minute": 14}
